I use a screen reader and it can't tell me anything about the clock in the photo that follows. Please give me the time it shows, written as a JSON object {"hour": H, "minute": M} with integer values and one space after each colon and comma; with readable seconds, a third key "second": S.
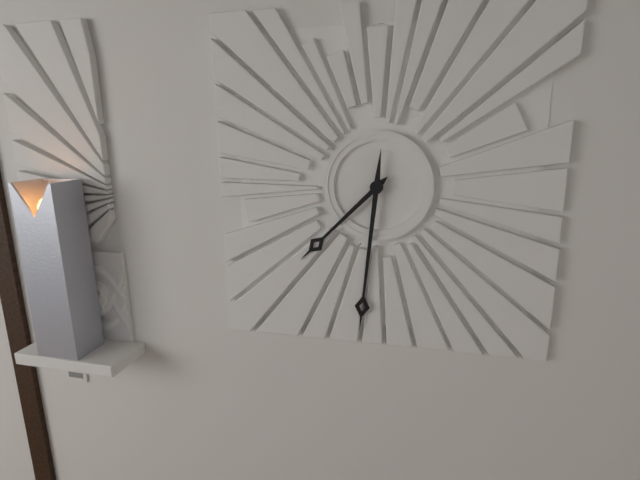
{"hour": 7, "minute": 31}
